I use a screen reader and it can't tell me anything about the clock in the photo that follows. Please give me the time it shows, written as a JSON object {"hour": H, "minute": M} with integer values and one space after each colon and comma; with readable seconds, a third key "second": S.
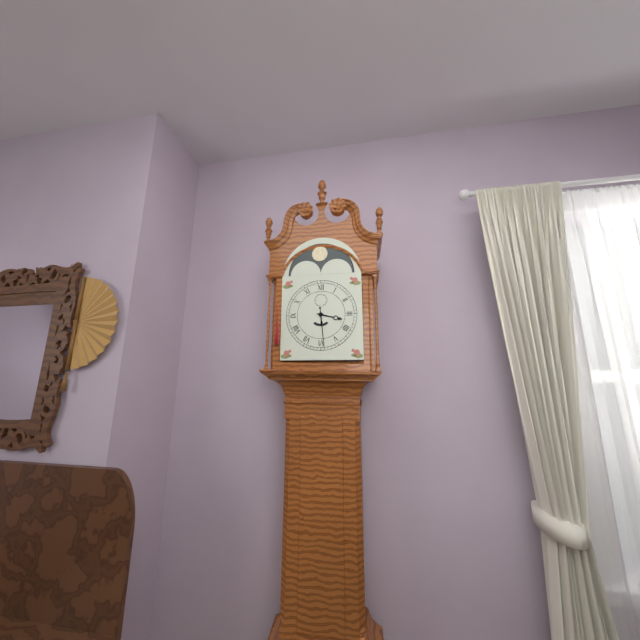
{"hour": 3, "minute": 29}
